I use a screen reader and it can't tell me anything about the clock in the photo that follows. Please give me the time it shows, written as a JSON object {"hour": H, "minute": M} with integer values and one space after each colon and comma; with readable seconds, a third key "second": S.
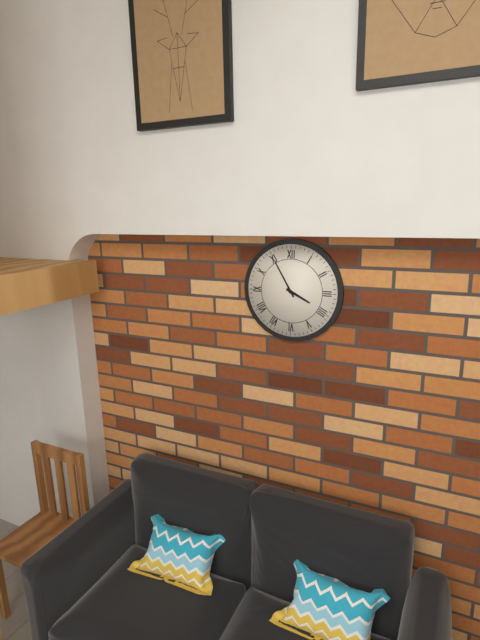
{"hour": 3, "minute": 55}
